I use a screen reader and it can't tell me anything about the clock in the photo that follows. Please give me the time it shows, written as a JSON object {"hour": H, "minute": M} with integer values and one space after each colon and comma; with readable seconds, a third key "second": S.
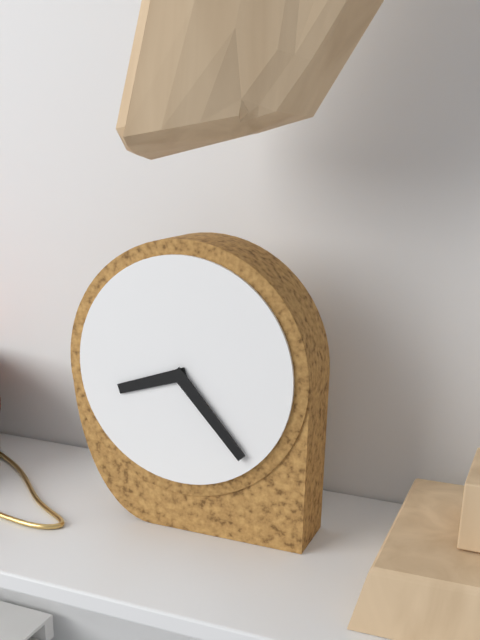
{"hour": 8, "minute": 23}
